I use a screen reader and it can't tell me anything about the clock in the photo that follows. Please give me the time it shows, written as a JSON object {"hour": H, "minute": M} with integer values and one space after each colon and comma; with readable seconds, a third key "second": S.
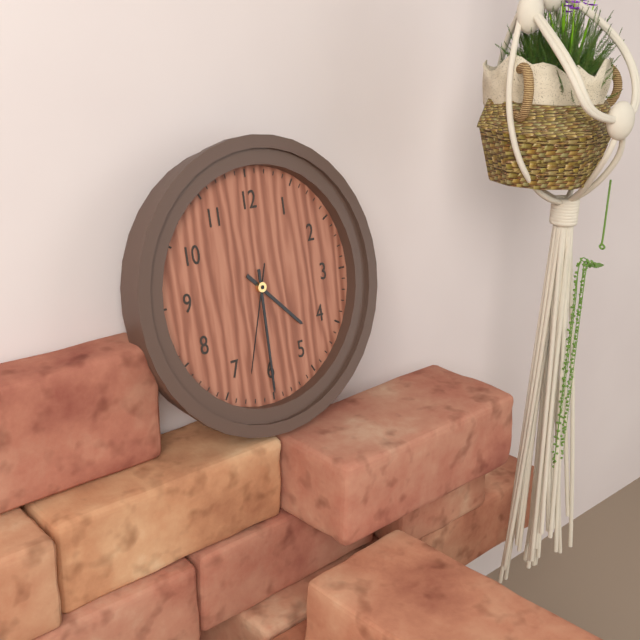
{"hour": 4, "minute": 30, "second": 33}
